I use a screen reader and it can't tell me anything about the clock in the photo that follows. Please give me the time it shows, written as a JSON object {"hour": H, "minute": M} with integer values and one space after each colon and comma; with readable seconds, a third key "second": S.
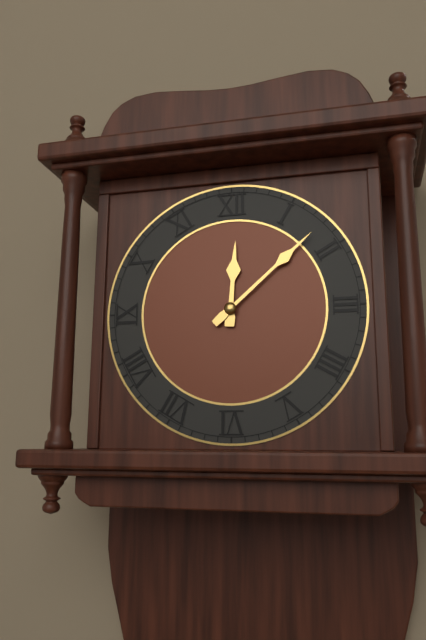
{"hour": 12, "minute": 8}
